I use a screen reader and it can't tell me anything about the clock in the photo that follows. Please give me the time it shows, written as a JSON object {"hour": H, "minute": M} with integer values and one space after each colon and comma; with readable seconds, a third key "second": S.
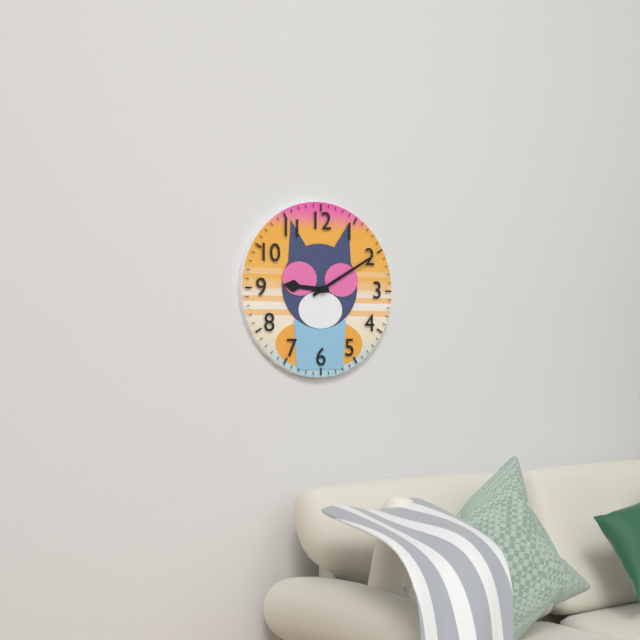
{"hour": 9, "minute": 10}
